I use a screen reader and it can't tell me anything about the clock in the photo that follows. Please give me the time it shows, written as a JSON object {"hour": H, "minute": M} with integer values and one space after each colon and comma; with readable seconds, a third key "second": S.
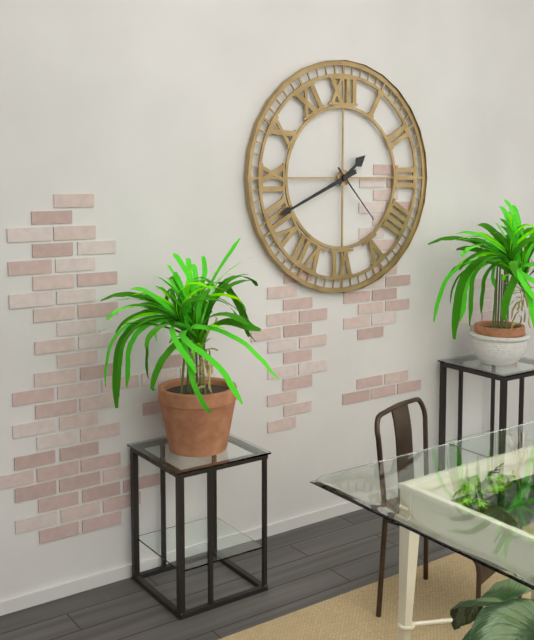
{"hour": 1, "minute": 41, "second": 23}
